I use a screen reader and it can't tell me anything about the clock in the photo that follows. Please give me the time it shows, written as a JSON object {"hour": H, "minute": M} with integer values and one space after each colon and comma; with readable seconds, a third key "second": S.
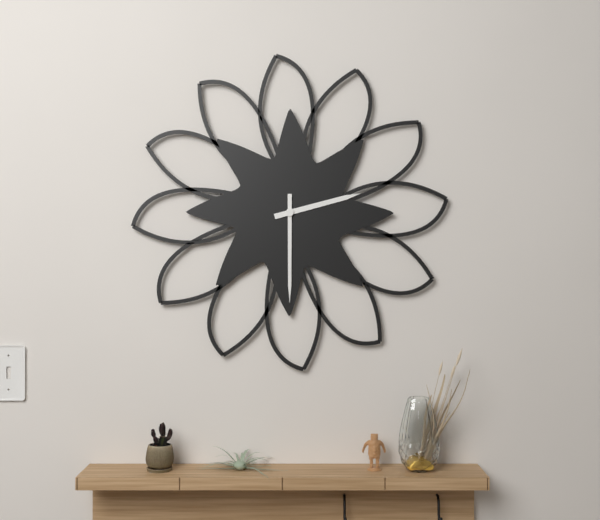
{"hour": 2, "minute": 30}
